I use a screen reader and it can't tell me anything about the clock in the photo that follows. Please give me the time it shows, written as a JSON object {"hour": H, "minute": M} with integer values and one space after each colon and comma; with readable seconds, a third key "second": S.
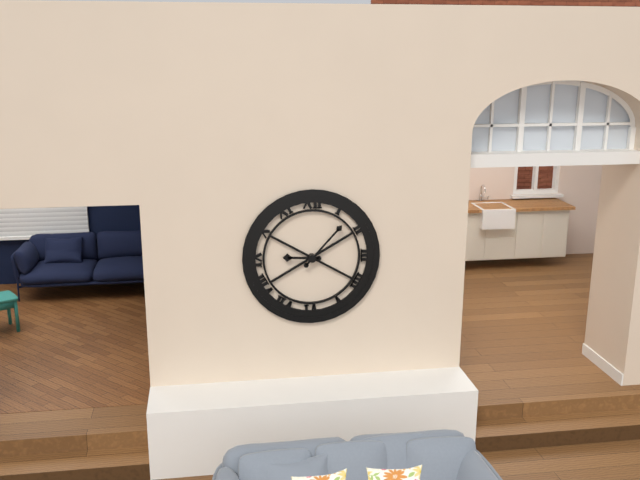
{"hour": 9, "minute": 7}
